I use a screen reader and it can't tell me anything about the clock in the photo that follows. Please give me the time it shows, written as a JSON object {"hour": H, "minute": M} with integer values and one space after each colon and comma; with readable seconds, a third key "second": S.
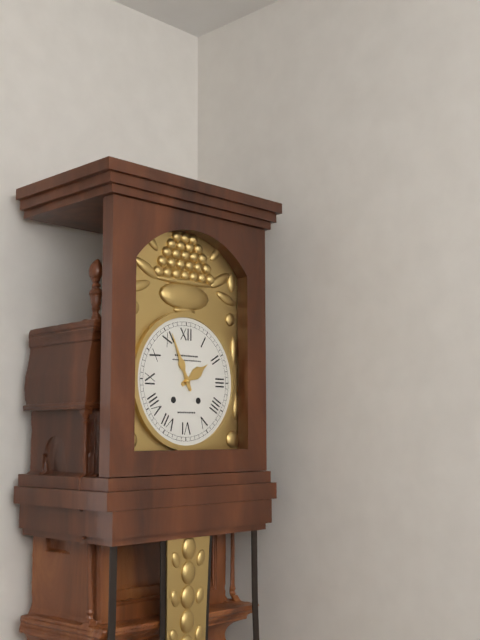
{"hour": 1, "minute": 56}
